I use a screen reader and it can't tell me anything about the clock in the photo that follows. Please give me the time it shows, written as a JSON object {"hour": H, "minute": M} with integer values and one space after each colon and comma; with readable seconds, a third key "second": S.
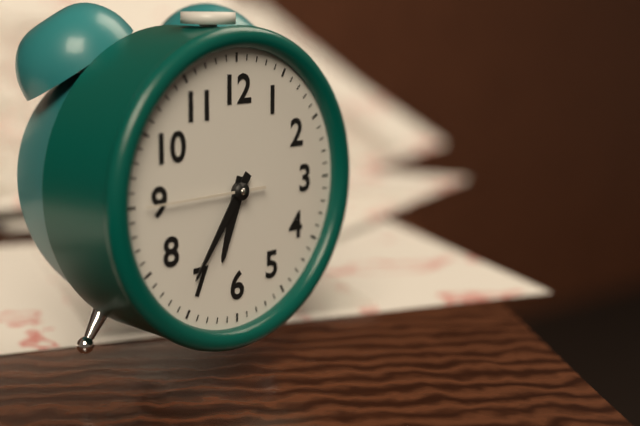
{"hour": 6, "minute": 36, "second": 45}
